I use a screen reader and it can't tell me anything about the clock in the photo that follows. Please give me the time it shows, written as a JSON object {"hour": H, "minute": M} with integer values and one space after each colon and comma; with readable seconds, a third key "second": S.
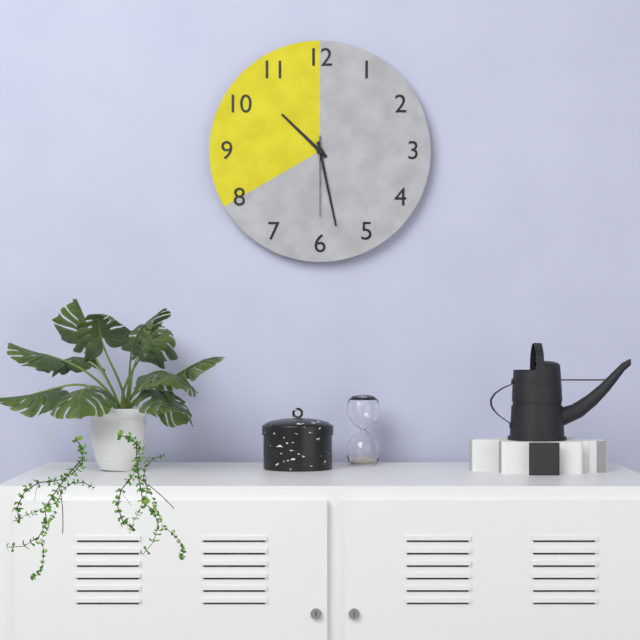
{"hour": 10, "minute": 28, "second": 30}
